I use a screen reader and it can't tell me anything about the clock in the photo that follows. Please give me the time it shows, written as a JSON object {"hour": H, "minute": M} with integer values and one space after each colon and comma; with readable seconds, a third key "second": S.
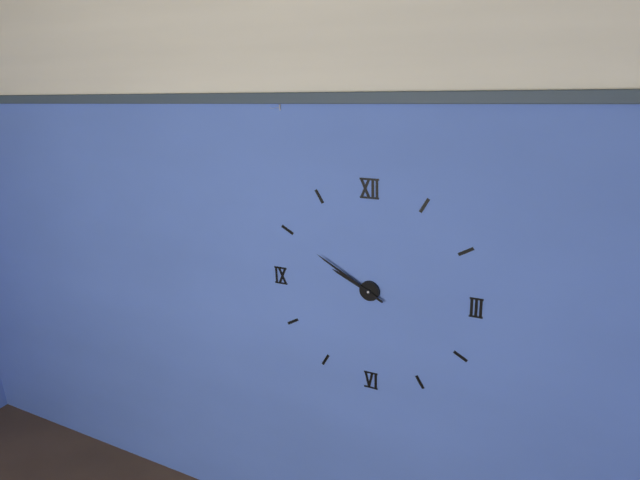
{"hour": 9, "minute": 50}
